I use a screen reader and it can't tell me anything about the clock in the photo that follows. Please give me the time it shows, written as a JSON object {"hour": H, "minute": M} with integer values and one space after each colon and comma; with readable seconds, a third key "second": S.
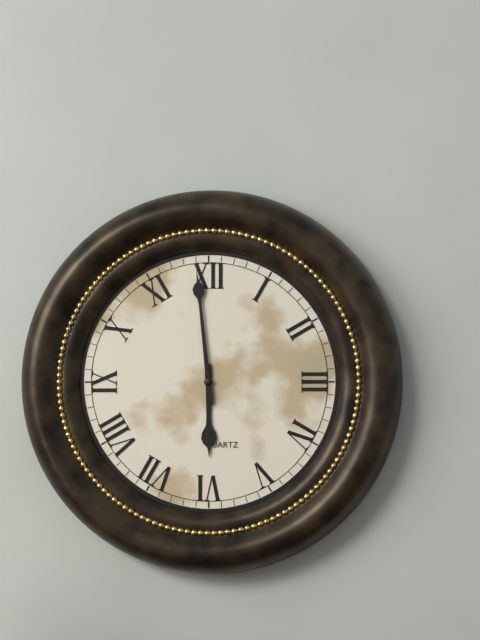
{"hour": 5, "minute": 59}
